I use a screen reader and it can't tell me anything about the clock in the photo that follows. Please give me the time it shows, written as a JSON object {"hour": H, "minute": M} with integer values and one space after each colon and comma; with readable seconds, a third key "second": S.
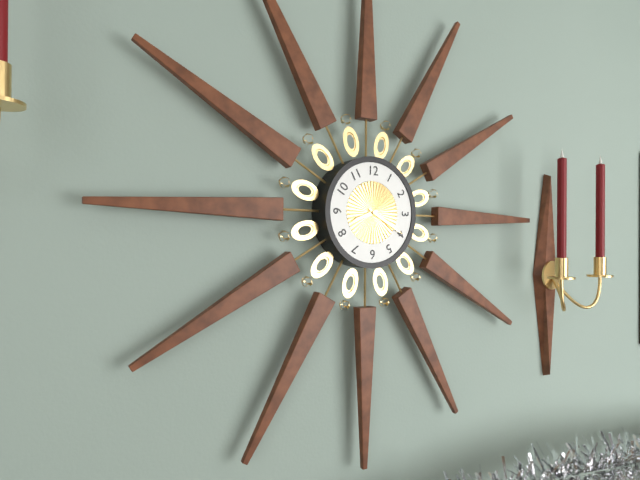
{"hour": 8, "minute": 20}
